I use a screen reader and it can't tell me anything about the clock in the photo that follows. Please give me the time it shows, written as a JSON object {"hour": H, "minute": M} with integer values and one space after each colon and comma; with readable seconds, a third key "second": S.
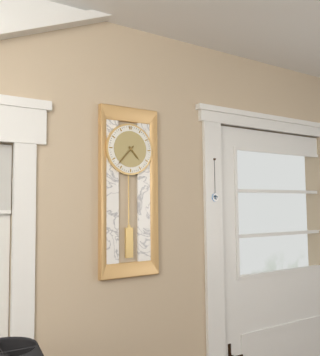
{"hour": 4, "minute": 37}
